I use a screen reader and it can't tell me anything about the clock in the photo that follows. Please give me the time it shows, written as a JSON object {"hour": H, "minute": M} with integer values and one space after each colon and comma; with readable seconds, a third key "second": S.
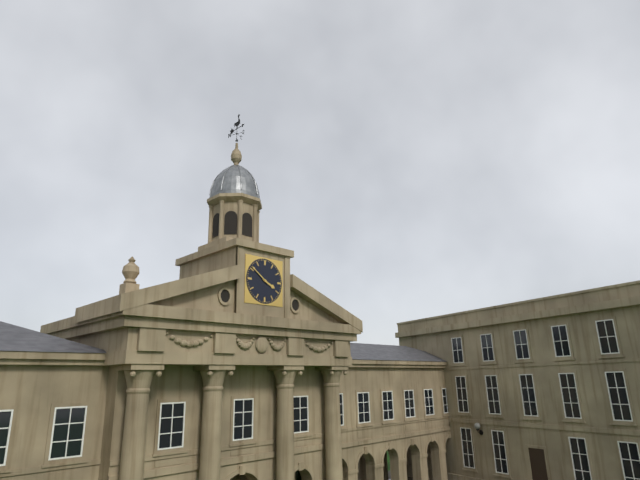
{"hour": 3, "minute": 51}
